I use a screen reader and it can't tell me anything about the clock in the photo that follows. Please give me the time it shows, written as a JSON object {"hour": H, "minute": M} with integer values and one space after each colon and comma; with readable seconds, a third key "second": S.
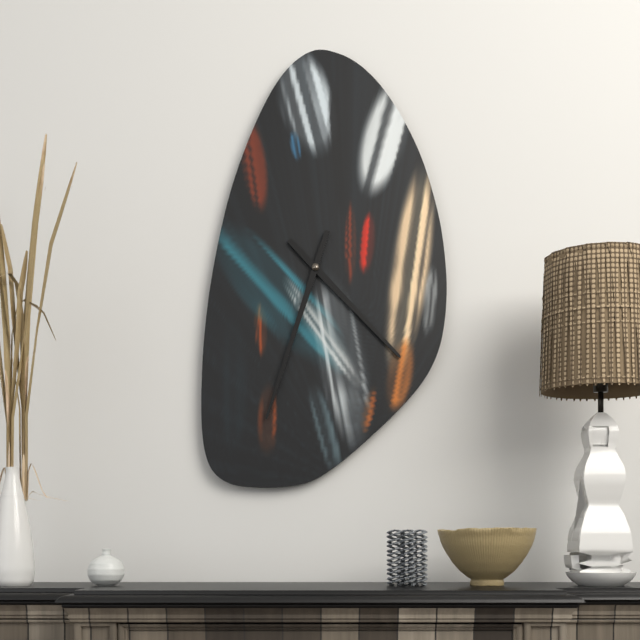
{"hour": 4, "minute": 33}
